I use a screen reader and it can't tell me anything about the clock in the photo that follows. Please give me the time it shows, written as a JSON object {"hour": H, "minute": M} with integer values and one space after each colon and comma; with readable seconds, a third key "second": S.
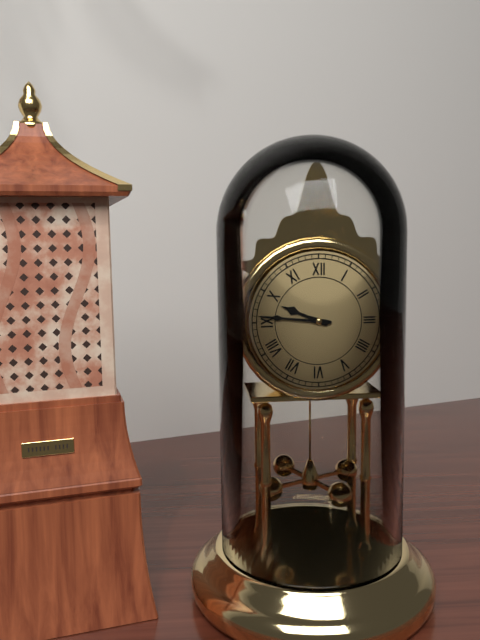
{"hour": 9, "minute": 46}
